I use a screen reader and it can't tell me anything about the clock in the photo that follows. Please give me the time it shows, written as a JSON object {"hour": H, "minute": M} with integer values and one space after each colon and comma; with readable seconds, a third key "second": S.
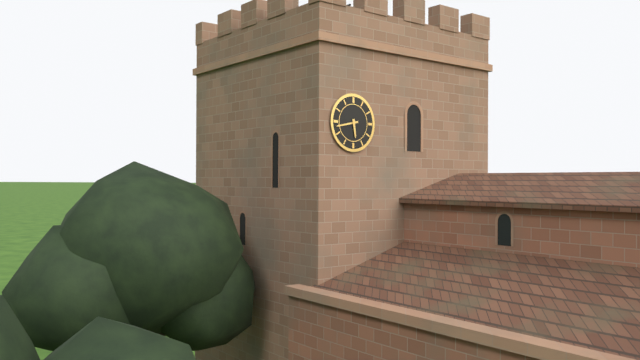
{"hour": 5, "minute": 43}
